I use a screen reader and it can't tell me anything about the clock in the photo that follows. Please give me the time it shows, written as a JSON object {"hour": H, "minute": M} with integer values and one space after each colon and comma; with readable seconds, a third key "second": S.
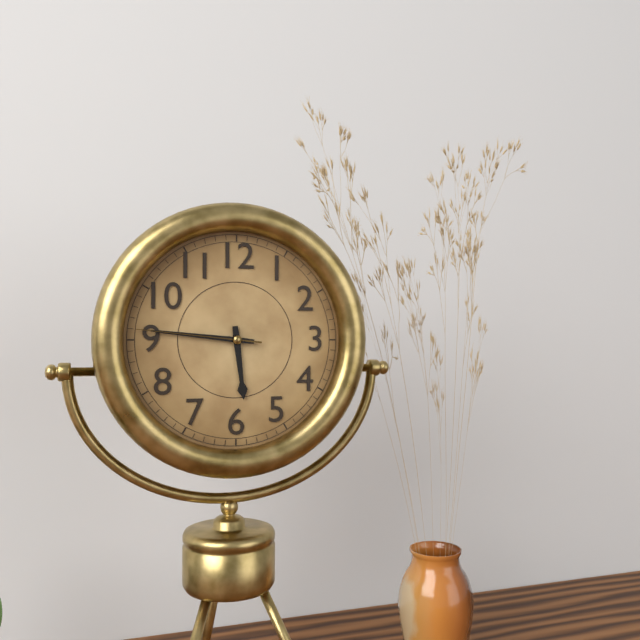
{"hour": 5, "minute": 46, "second": 46}
